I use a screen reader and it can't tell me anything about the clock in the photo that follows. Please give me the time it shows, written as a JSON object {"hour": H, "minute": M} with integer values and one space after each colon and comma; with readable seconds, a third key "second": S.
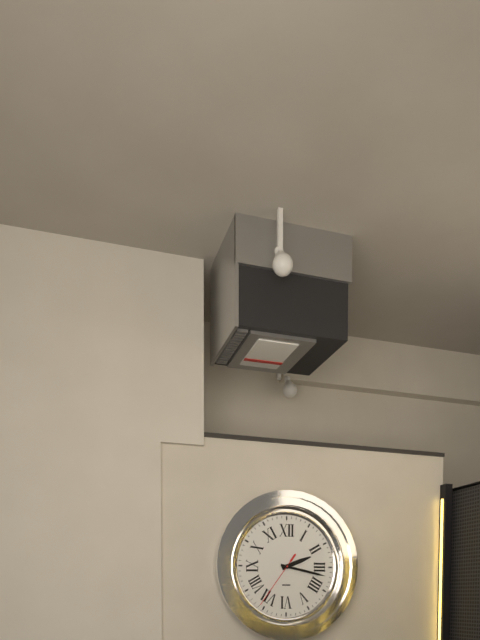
{"hour": 2, "minute": 17, "second": 36}
